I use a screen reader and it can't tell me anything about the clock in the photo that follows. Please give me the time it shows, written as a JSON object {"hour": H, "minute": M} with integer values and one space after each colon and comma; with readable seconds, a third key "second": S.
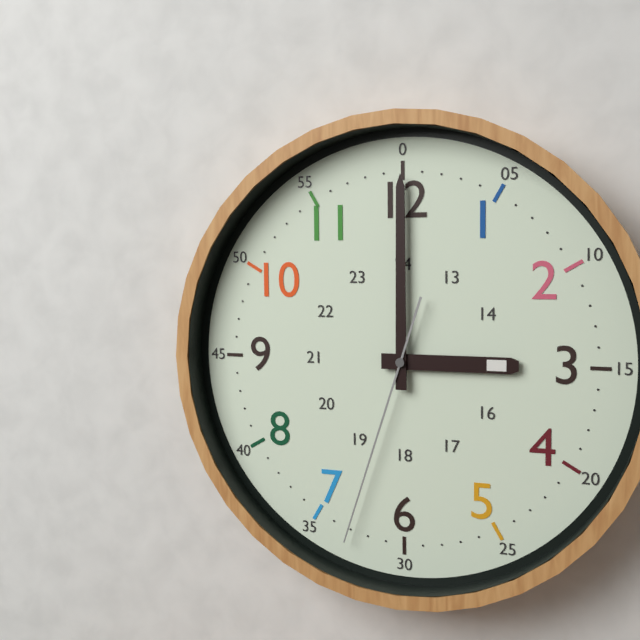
{"hour": 3, "minute": 0, "second": 33}
